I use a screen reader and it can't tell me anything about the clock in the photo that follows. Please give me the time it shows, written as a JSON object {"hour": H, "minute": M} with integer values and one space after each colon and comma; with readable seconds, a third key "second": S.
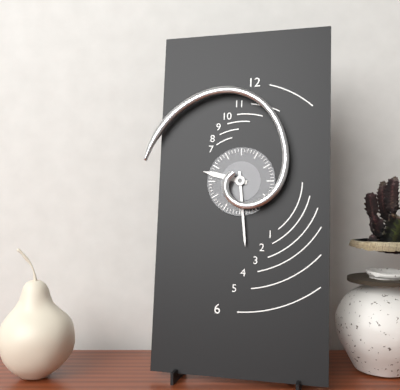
{"hour": 9, "minute": 29}
